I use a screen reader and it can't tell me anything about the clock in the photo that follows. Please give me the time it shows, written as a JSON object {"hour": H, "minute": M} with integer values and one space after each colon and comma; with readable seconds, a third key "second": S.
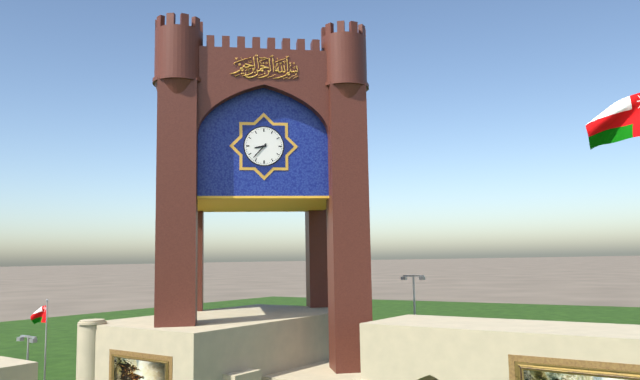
{"hour": 8, "minute": 37}
